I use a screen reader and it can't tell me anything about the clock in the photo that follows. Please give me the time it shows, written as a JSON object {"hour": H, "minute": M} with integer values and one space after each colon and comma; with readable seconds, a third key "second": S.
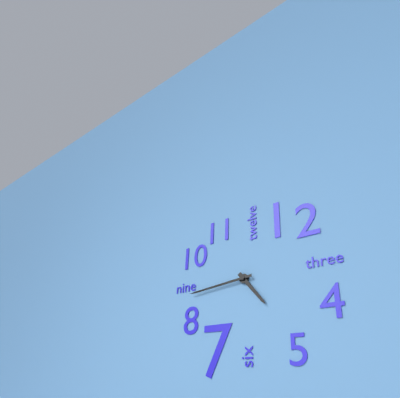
{"hour": 4, "minute": 44}
